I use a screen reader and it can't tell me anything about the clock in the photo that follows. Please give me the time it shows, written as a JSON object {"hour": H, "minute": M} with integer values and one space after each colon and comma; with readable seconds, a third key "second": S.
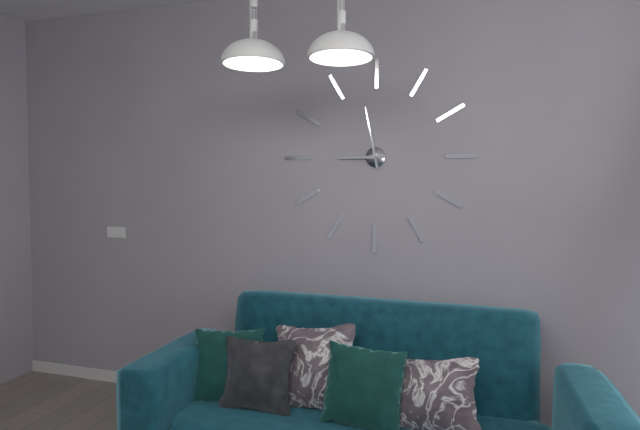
{"hour": 8, "minute": 58}
